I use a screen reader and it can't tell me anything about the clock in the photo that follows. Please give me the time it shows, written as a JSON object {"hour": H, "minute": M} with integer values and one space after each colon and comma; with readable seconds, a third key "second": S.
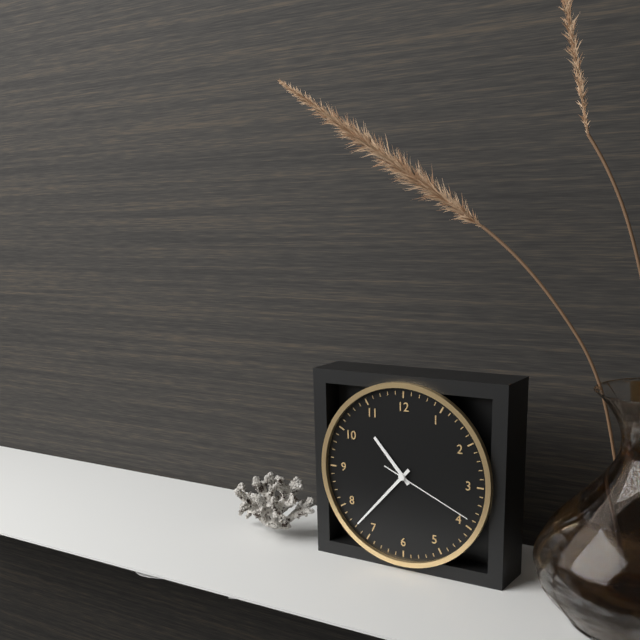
{"hour": 10, "minute": 37, "second": 19}
